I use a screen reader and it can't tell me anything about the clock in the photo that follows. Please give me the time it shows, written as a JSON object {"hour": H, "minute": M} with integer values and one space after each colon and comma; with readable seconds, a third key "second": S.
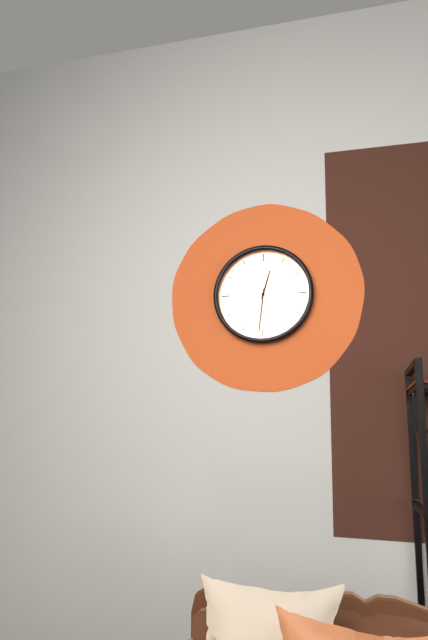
{"hour": 12, "minute": 31}
